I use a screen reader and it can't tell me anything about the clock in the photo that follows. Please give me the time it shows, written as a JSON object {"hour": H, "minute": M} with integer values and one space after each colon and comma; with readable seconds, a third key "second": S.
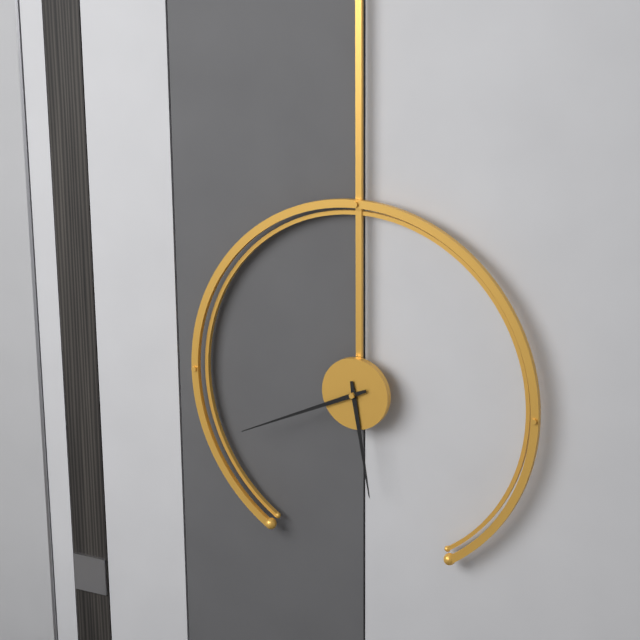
{"hour": 5, "minute": 41}
